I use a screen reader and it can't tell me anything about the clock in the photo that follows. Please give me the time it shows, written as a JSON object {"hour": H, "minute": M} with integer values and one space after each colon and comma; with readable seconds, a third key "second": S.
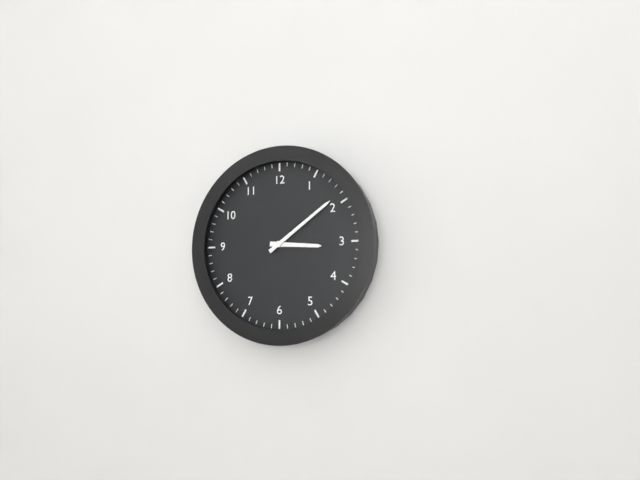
{"hour": 3, "minute": 9}
